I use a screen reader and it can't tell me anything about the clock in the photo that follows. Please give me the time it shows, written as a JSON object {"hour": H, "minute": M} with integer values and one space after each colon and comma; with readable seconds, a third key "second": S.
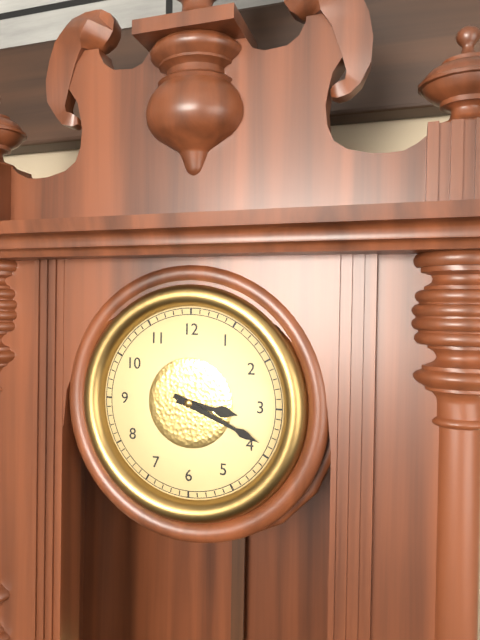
{"hour": 3, "minute": 19}
